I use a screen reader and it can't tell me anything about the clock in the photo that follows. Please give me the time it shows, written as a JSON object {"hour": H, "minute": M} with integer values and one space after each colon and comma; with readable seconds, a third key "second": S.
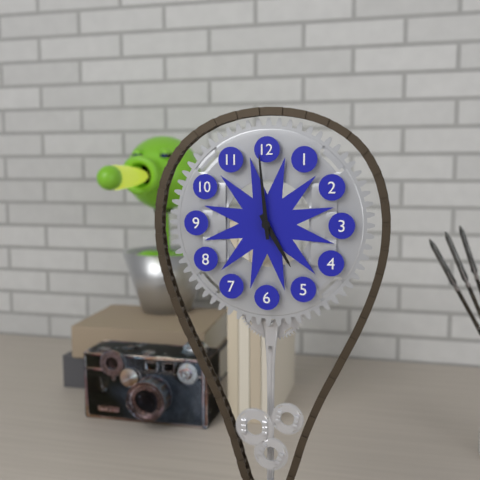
{"hour": 4, "minute": 59}
